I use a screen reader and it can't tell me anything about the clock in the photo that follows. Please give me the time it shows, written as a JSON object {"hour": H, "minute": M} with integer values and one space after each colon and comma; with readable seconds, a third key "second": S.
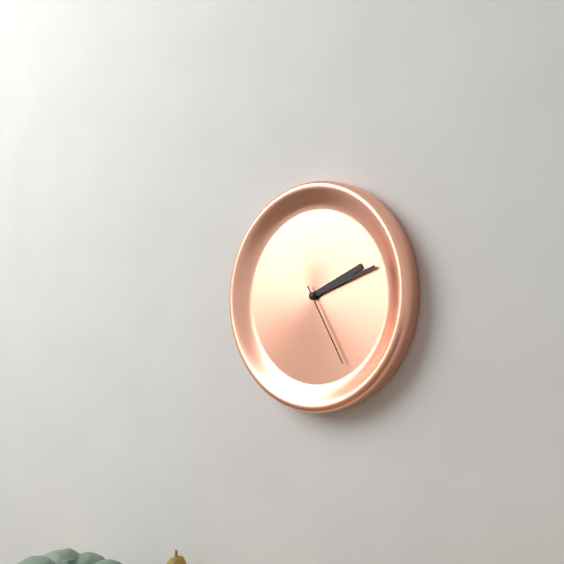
{"hour": 2, "minute": 12, "second": 25}
